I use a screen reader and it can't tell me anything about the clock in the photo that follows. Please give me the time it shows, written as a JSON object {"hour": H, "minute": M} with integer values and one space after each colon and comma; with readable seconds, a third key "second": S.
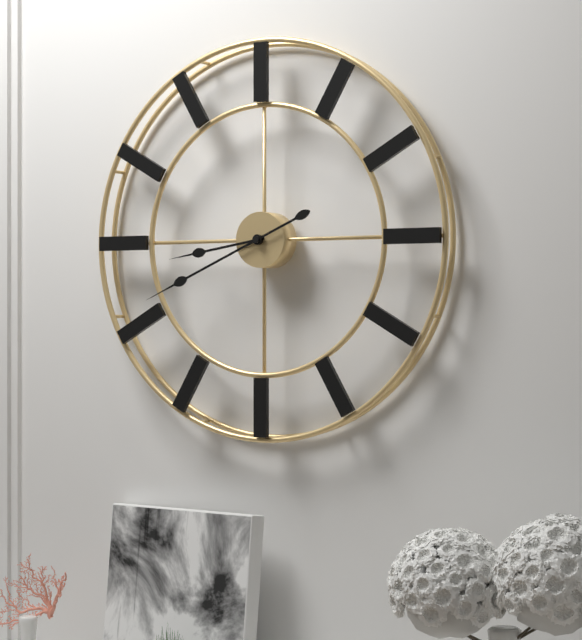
{"hour": 8, "minute": 41}
